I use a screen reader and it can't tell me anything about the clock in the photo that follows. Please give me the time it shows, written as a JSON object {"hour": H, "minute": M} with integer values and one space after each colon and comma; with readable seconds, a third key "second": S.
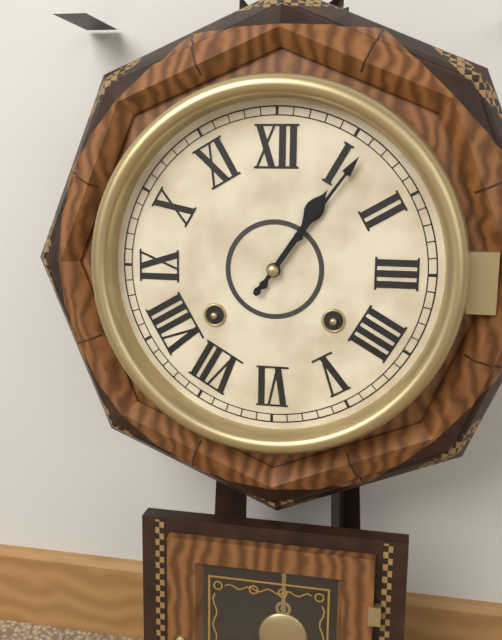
{"hour": 1, "minute": 6}
